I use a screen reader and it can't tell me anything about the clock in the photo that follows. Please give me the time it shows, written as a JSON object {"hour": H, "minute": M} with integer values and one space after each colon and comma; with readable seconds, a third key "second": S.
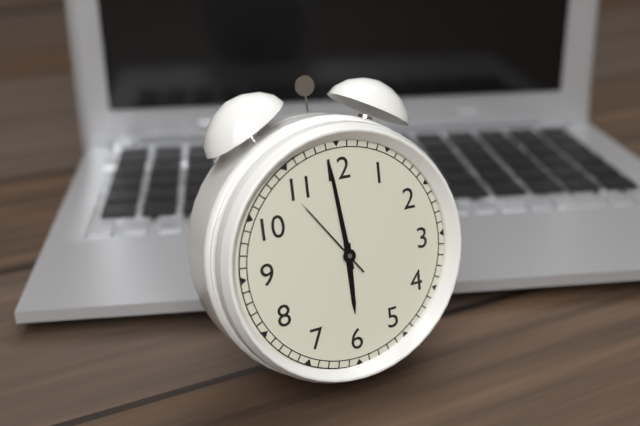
{"hour": 5, "minute": 59, "second": 54}
